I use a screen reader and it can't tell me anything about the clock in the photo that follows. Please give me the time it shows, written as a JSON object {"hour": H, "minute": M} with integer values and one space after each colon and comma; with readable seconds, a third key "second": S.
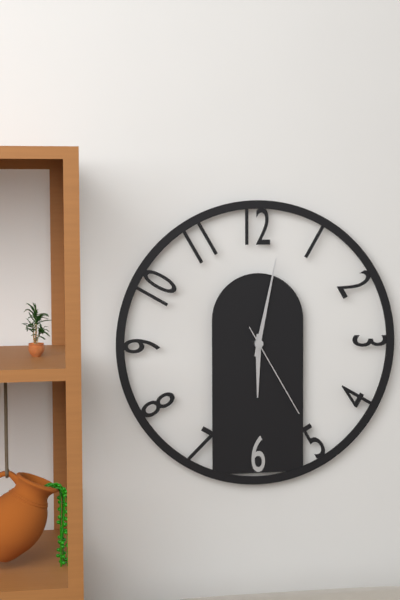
{"hour": 6, "minute": 2, "second": 25}
